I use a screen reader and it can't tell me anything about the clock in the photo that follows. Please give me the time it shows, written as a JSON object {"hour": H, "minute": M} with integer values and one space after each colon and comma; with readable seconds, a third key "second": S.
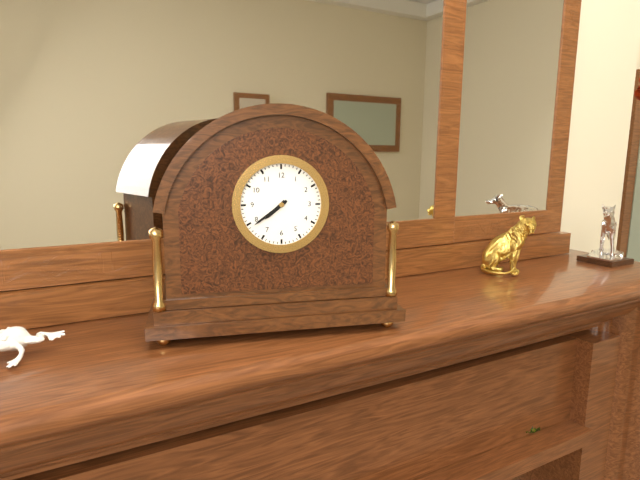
{"hour": 7, "minute": 39}
